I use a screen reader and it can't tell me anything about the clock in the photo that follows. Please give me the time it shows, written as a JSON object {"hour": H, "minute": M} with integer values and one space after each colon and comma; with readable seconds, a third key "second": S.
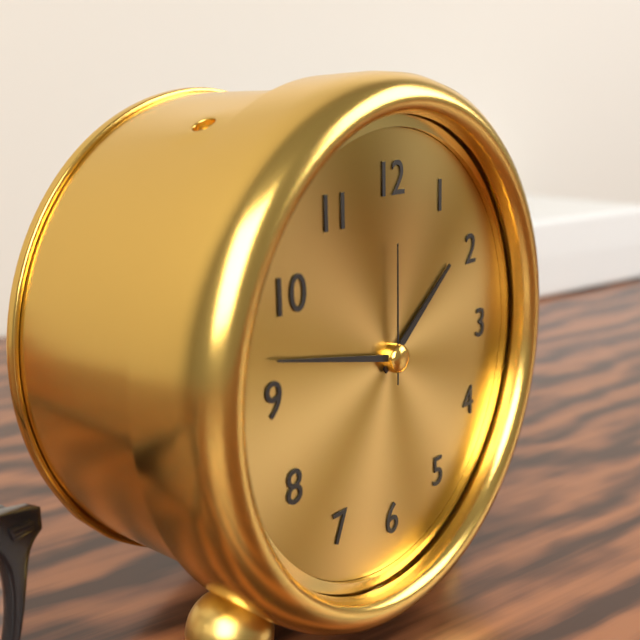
{"hour": 1, "minute": 47, "second": 0}
